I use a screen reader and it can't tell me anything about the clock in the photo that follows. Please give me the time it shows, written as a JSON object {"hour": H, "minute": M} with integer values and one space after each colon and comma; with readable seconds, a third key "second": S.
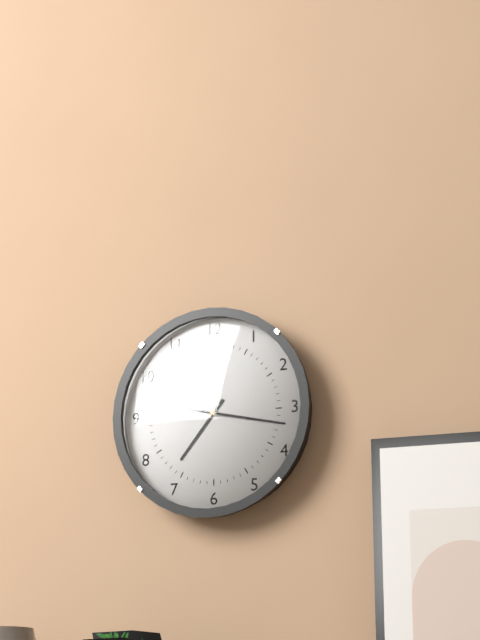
{"hour": 7, "minute": 17, "second": 17}
